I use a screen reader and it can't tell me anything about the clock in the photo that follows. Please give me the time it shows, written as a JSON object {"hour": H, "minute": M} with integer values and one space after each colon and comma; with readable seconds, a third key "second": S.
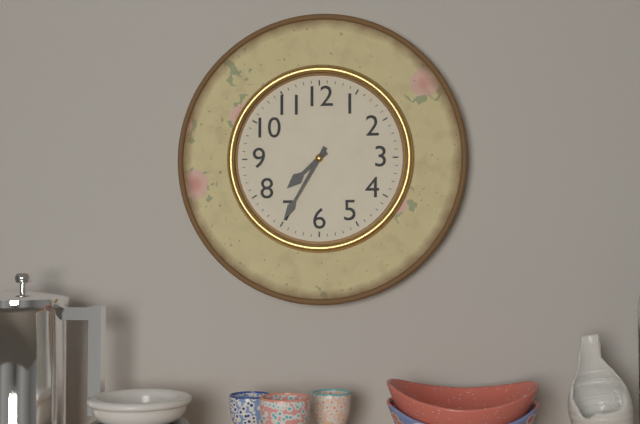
{"hour": 7, "minute": 35}
